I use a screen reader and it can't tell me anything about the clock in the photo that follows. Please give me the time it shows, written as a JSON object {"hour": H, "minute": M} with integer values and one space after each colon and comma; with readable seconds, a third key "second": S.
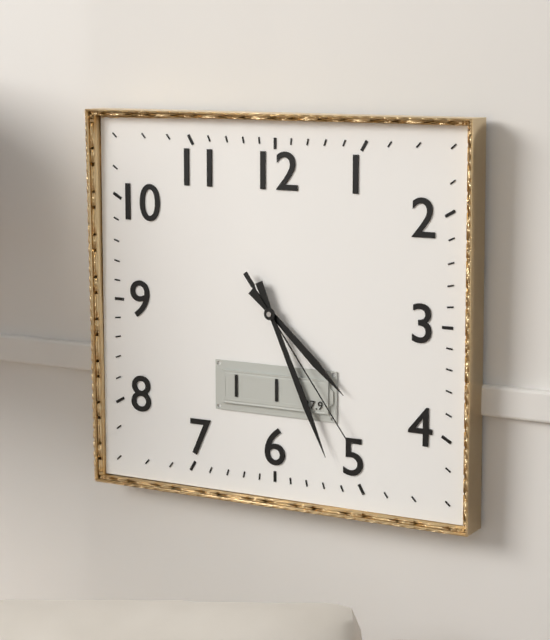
{"hour": 4, "minute": 26, "second": 24}
